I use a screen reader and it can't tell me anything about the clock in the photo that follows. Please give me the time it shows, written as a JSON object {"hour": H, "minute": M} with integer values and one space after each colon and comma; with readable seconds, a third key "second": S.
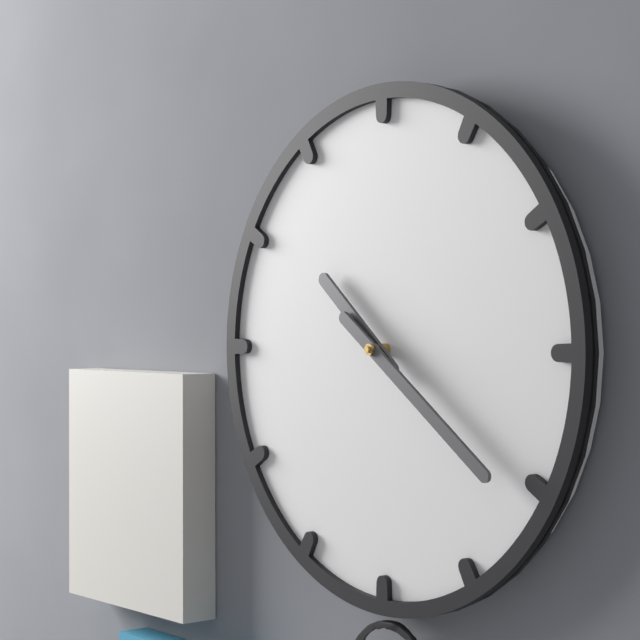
{"hour": 10, "minute": 21}
